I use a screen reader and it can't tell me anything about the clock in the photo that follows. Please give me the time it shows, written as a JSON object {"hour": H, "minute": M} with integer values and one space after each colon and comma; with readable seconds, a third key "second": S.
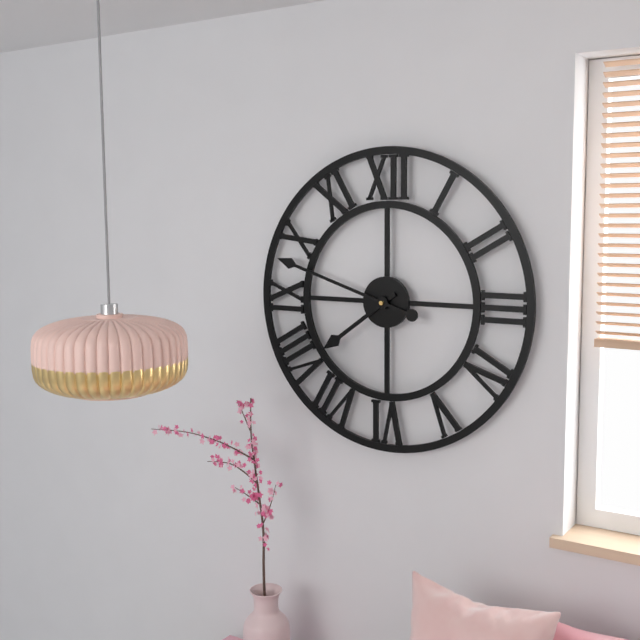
{"hour": 7, "minute": 48}
